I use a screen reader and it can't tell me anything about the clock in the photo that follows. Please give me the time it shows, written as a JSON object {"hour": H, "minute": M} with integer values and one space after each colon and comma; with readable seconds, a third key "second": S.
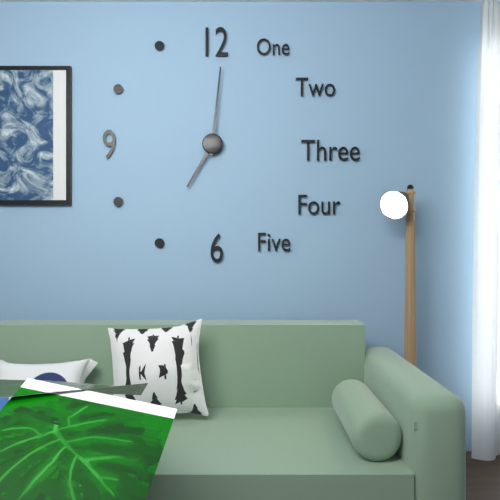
{"hour": 7, "minute": 1}
